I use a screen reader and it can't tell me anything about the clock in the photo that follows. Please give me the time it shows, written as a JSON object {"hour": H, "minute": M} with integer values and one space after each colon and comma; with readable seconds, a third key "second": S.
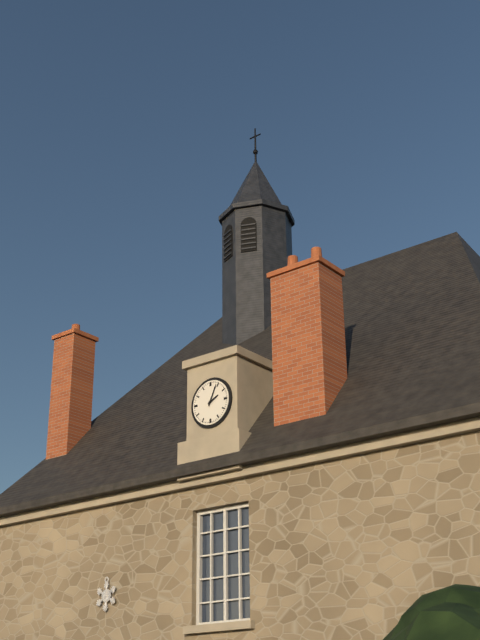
{"hour": 2, "minute": 4}
